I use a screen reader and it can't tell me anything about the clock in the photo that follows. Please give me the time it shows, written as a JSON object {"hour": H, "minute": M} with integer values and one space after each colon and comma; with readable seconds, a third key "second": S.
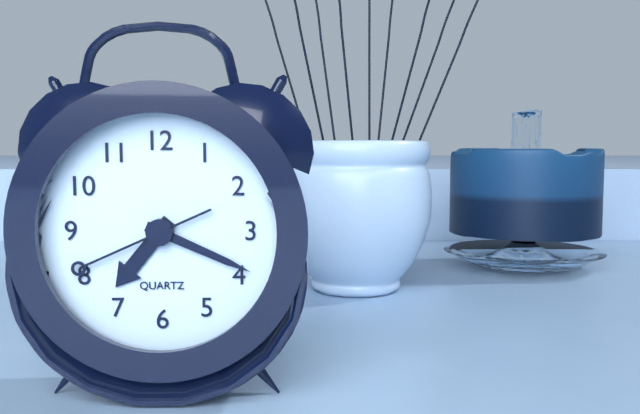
{"hour": 7, "minute": 19, "second": 41}
